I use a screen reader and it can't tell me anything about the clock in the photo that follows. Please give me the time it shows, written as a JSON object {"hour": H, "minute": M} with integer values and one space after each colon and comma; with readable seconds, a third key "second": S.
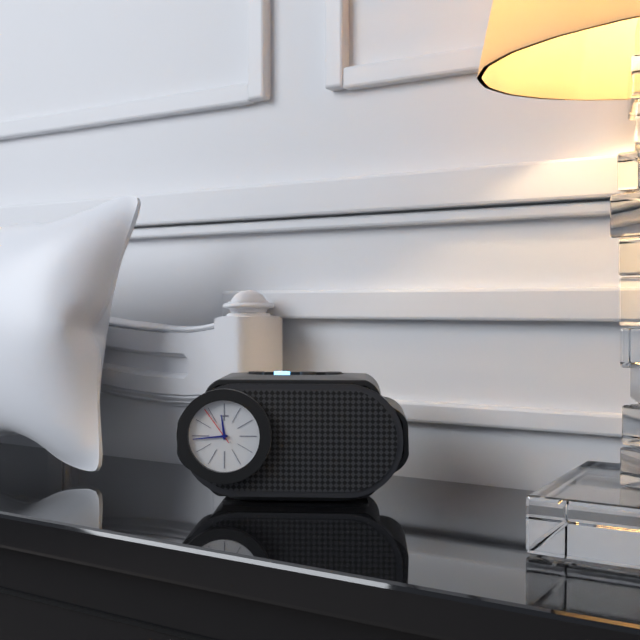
{"hour": 11, "minute": 44}
